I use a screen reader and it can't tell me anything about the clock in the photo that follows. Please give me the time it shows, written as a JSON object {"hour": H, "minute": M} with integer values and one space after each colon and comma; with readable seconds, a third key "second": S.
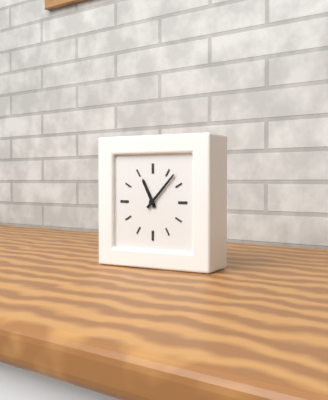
{"hour": 11, "minute": 7}
